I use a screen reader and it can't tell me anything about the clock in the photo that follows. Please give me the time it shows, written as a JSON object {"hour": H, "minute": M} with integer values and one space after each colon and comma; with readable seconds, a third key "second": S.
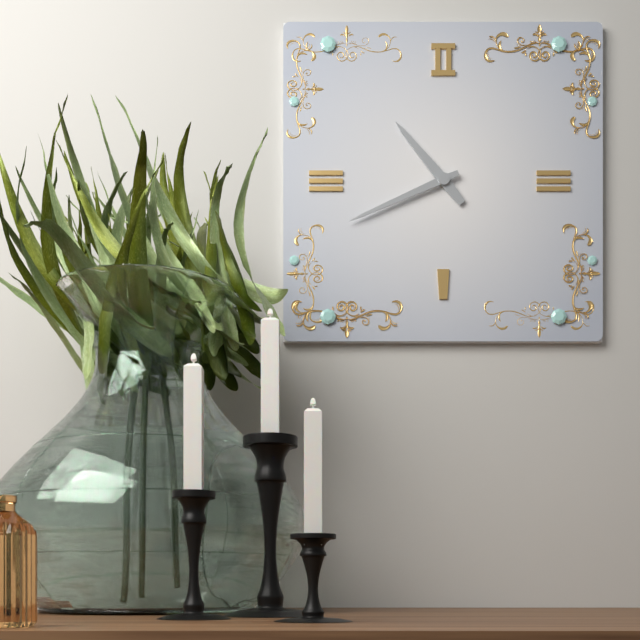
{"hour": 10, "minute": 41}
